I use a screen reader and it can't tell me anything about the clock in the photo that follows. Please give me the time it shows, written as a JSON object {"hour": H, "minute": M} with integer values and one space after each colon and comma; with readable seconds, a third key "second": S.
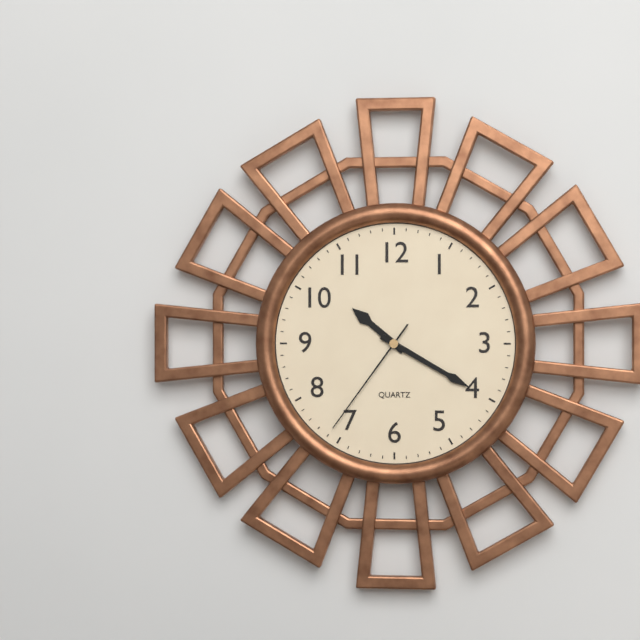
{"hour": 10, "minute": 20, "second": 36}
